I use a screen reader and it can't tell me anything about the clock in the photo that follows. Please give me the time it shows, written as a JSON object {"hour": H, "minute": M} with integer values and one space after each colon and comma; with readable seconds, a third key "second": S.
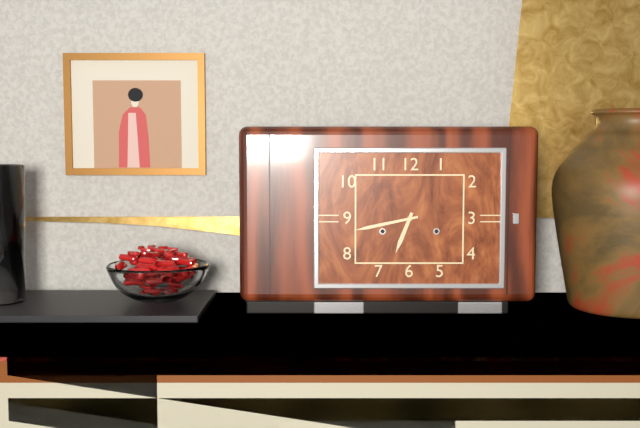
{"hour": 6, "minute": 43}
